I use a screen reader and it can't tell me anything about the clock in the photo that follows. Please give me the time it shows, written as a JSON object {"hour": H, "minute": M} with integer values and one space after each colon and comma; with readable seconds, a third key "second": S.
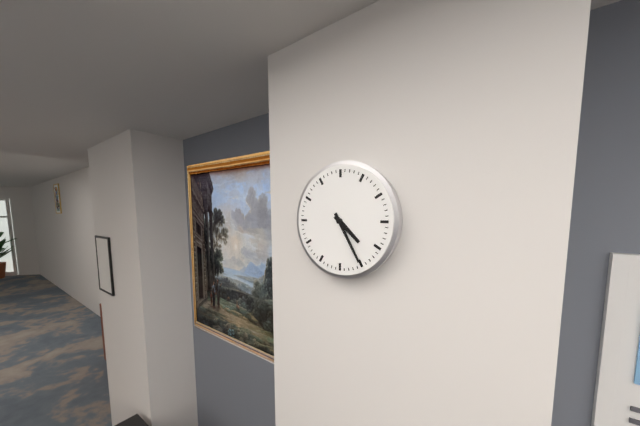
{"hour": 4, "minute": 25}
